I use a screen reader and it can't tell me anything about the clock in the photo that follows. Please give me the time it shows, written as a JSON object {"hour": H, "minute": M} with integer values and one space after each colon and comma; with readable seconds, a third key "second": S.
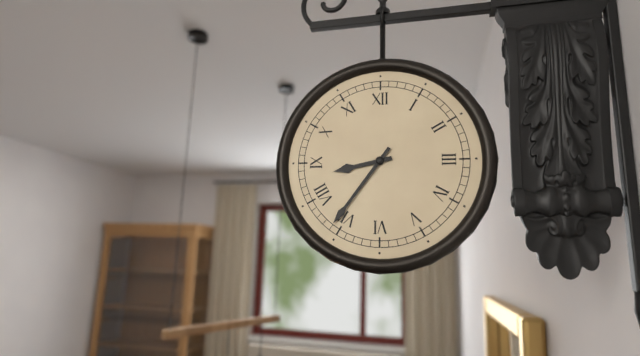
{"hour": 8, "minute": 36}
